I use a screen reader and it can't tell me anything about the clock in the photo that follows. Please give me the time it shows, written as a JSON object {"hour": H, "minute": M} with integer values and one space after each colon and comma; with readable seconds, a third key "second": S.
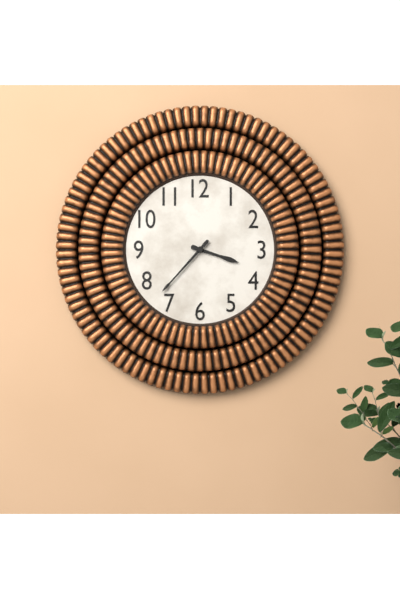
{"hour": 3, "minute": 37}
